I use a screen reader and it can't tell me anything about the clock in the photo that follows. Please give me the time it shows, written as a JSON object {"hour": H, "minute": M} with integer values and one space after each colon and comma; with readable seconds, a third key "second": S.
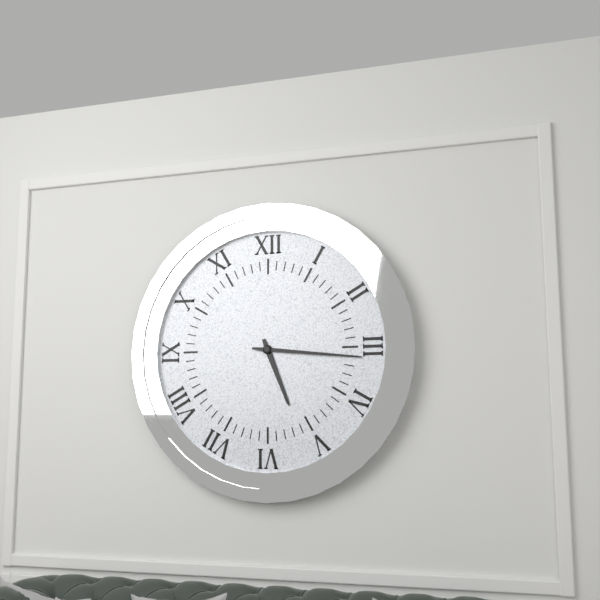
{"hour": 5, "minute": 16}
